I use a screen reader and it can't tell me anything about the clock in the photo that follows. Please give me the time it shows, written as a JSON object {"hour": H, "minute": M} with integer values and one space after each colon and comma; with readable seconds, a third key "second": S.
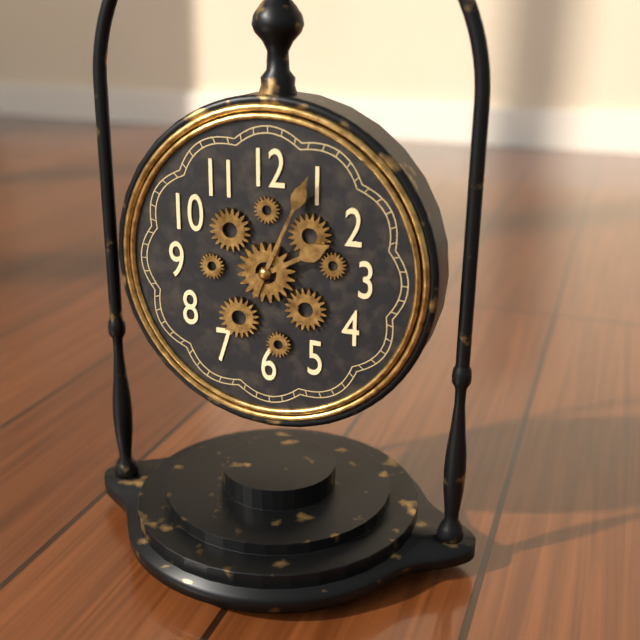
{"hour": 2, "minute": 4}
